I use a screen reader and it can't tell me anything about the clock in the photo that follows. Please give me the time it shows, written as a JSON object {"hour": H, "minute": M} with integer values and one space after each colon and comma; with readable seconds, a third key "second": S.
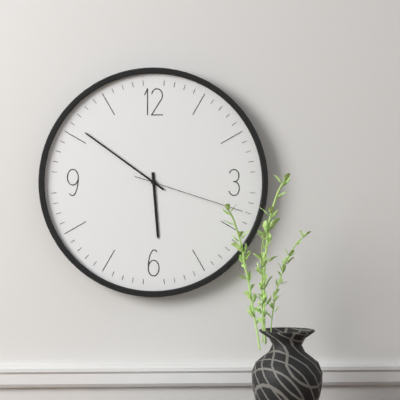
{"hour": 5, "minute": 51, "second": 18}
